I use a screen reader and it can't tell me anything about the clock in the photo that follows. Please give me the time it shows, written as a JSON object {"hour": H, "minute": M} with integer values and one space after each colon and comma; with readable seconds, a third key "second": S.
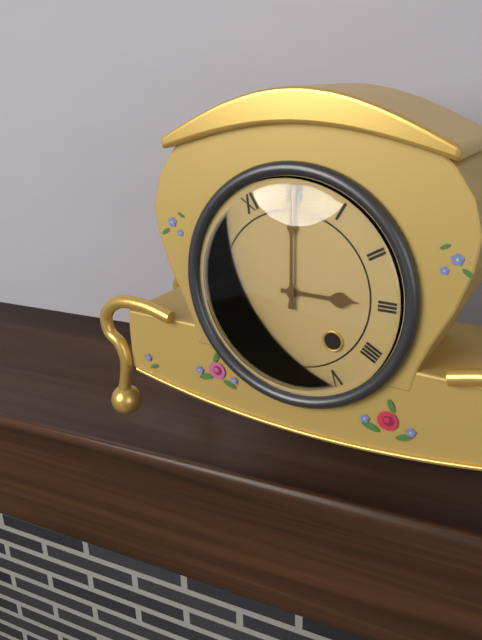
{"hour": 3, "minute": 0}
